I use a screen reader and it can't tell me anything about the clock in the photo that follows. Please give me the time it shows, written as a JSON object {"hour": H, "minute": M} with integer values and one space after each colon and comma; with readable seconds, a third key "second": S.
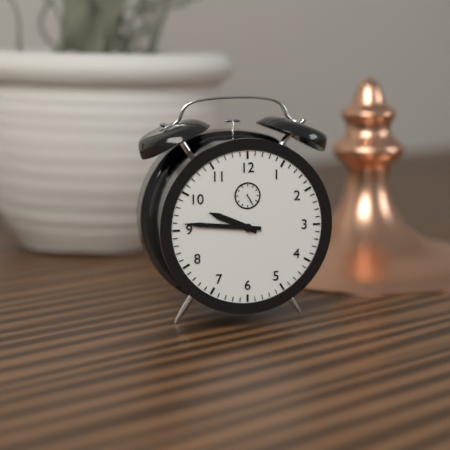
{"hour": 9, "minute": 46}
